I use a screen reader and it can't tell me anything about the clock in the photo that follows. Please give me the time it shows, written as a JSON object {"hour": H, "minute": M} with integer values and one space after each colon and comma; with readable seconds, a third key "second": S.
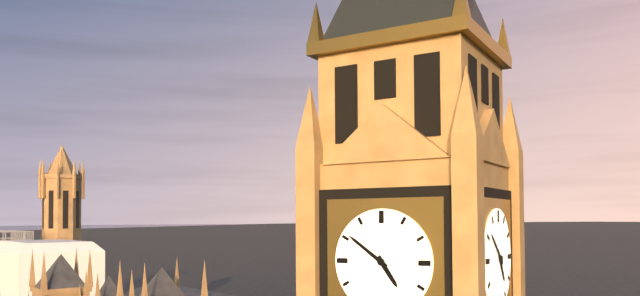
{"hour": 4, "minute": 51}
